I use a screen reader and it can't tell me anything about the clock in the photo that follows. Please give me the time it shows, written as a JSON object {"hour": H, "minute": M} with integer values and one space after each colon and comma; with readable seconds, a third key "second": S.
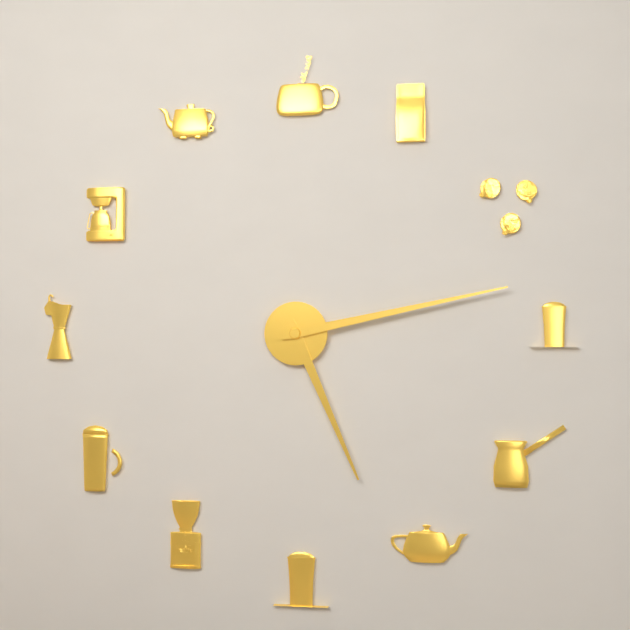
{"hour": 5, "minute": 13}
